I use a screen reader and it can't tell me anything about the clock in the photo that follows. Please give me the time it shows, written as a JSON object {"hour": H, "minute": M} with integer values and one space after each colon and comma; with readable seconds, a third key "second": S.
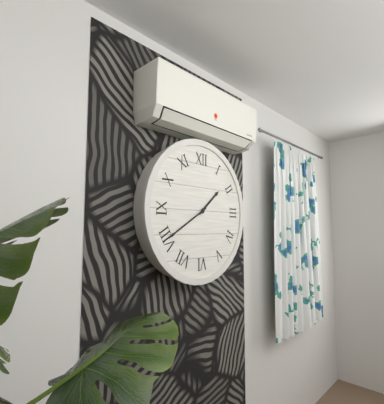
{"hour": 1, "minute": 40}
